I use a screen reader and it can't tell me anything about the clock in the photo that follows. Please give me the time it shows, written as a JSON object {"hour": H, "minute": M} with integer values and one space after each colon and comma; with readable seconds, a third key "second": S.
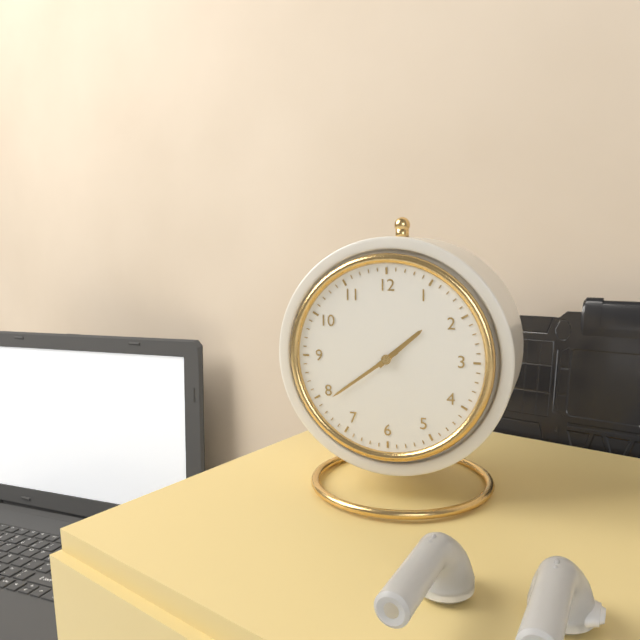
{"hour": 1, "minute": 39}
